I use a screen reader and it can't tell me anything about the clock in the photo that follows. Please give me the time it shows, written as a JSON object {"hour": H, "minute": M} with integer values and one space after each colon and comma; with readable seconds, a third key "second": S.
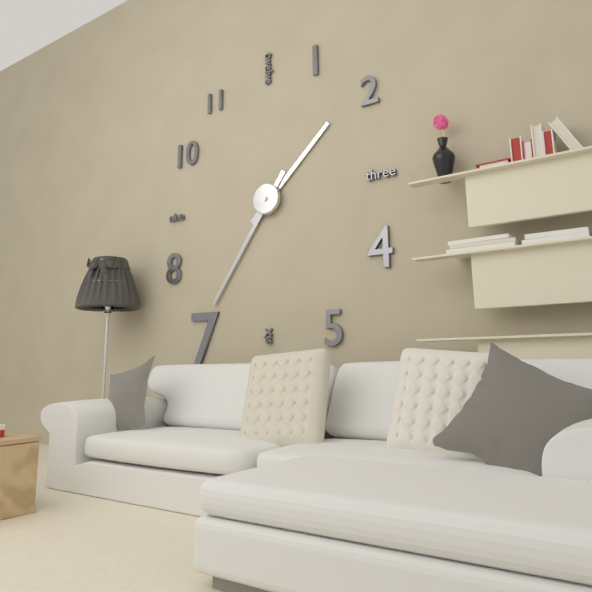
{"hour": 1, "minute": 36}
